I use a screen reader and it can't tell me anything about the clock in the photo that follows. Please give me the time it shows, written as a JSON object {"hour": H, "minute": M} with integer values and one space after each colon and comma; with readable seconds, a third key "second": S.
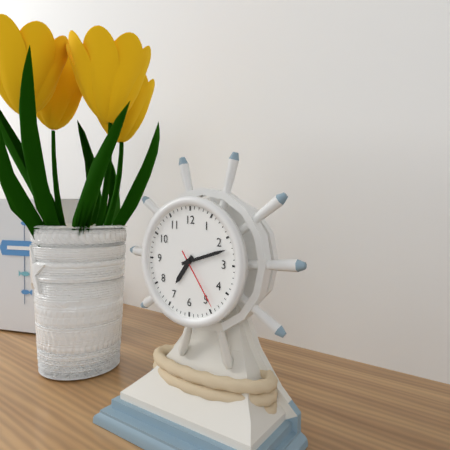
{"hour": 7, "minute": 12, "second": 24}
